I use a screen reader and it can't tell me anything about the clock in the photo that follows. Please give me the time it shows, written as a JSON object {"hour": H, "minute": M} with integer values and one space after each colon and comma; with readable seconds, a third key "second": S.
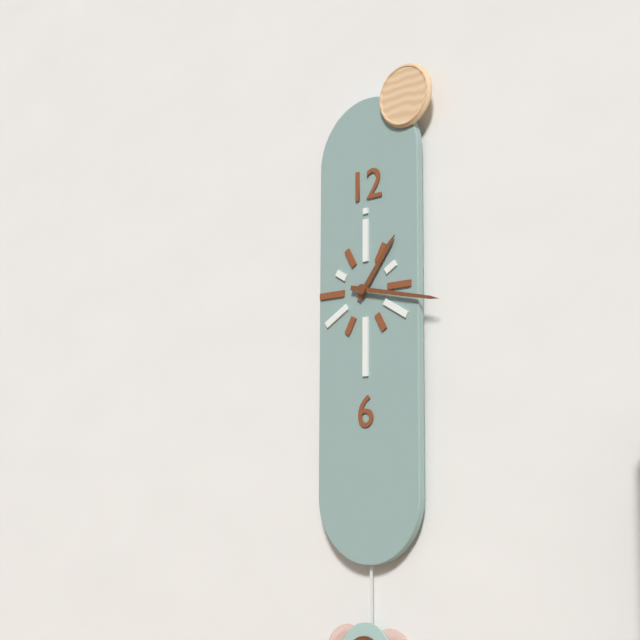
{"hour": 1, "minute": 17}
